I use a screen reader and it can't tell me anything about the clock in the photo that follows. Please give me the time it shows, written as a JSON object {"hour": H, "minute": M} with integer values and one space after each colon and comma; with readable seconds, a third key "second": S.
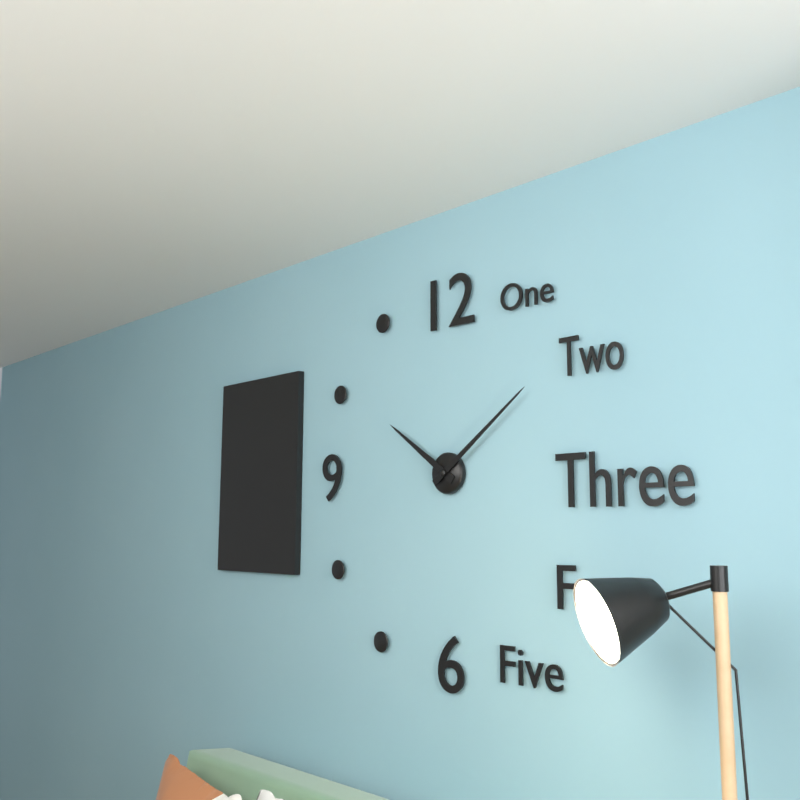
{"hour": 10, "minute": 9}
